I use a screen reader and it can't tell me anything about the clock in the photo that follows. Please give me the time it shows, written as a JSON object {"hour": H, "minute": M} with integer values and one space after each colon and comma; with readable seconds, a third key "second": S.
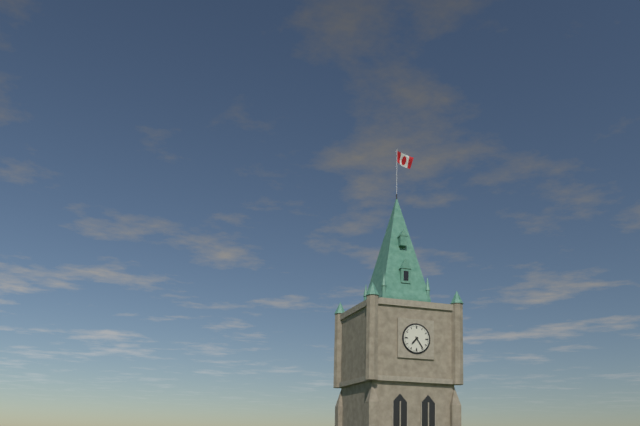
{"hour": 7, "minute": 24}
